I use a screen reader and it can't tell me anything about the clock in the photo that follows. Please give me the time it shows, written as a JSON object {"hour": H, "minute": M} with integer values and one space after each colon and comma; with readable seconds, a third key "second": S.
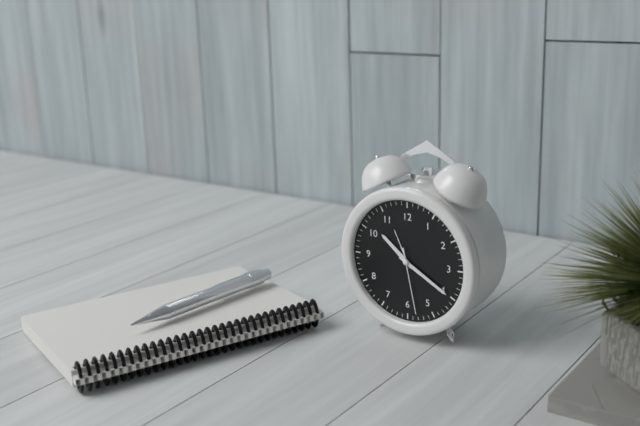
{"hour": 10, "minute": 20, "second": 28}
